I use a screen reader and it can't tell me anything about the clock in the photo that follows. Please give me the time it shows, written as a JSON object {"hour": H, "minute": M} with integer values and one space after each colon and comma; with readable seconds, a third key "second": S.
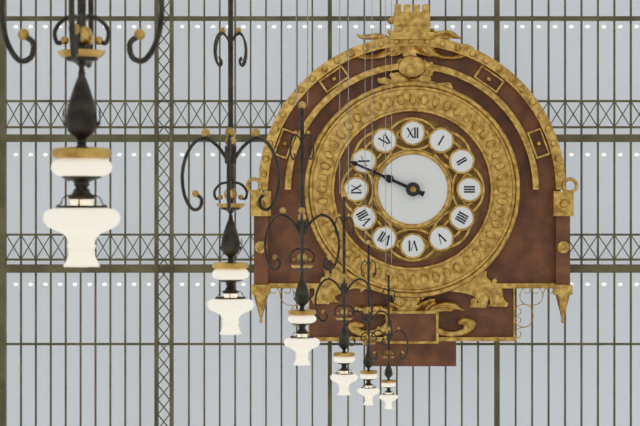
{"hour": 9, "minute": 49}
